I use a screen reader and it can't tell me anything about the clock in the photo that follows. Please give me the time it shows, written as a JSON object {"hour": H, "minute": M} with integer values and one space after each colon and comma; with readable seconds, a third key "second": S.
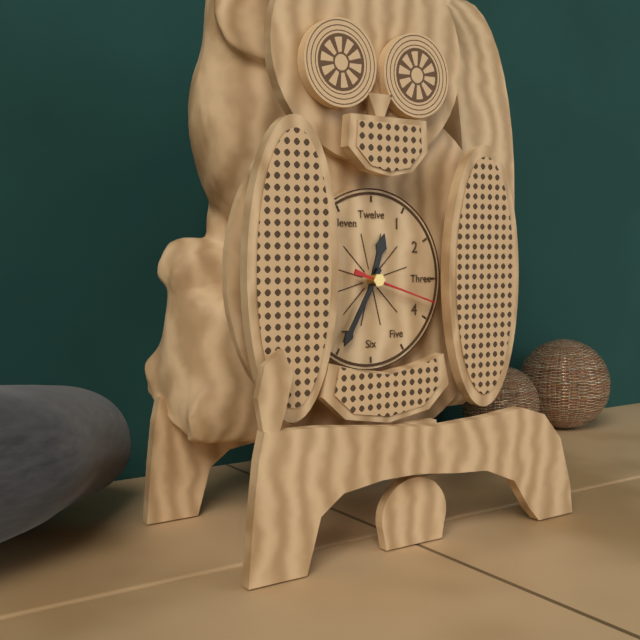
{"hour": 12, "minute": 35, "second": 18}
